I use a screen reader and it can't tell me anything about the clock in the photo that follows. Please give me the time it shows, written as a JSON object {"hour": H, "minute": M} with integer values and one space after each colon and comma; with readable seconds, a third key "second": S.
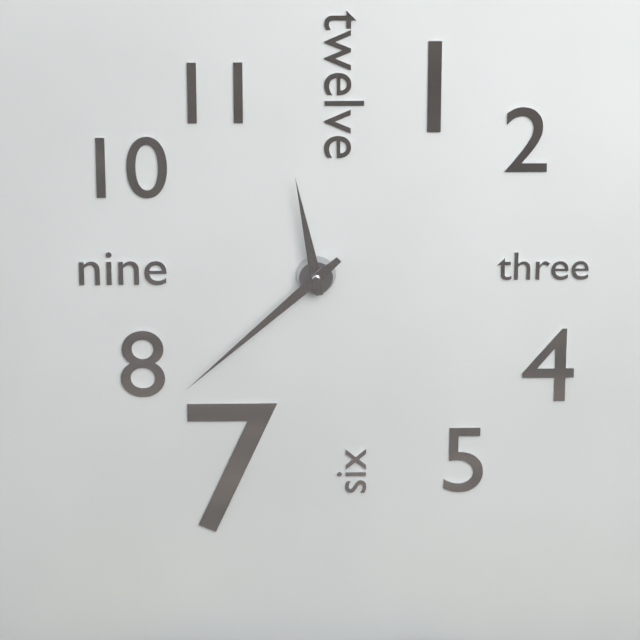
{"hour": 11, "minute": 38}
